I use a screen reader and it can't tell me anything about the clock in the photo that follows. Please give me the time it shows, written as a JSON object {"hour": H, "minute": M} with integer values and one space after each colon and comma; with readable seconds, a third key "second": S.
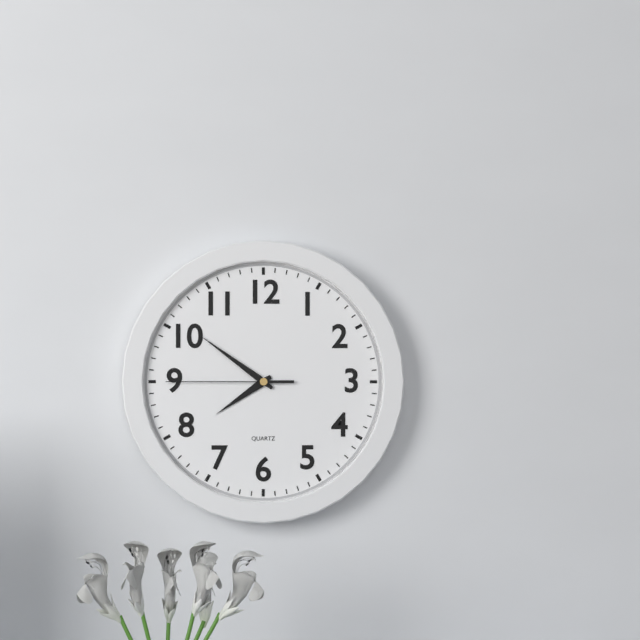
{"hour": 7, "minute": 51, "second": 45}
